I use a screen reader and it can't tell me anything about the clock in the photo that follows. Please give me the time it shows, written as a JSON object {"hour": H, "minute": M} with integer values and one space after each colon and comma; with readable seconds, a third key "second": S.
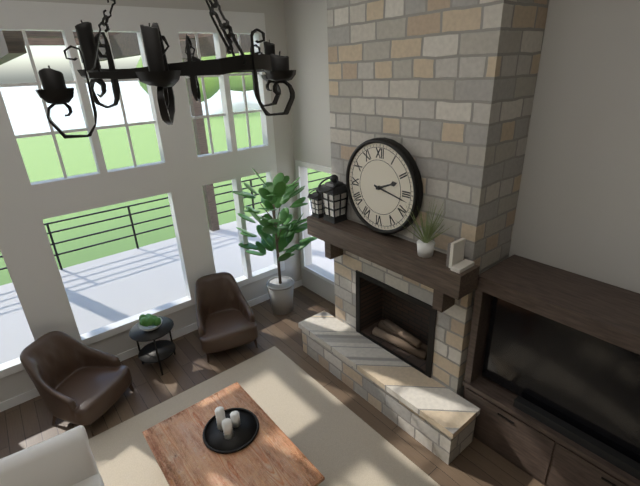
{"hour": 2, "minute": 17}
